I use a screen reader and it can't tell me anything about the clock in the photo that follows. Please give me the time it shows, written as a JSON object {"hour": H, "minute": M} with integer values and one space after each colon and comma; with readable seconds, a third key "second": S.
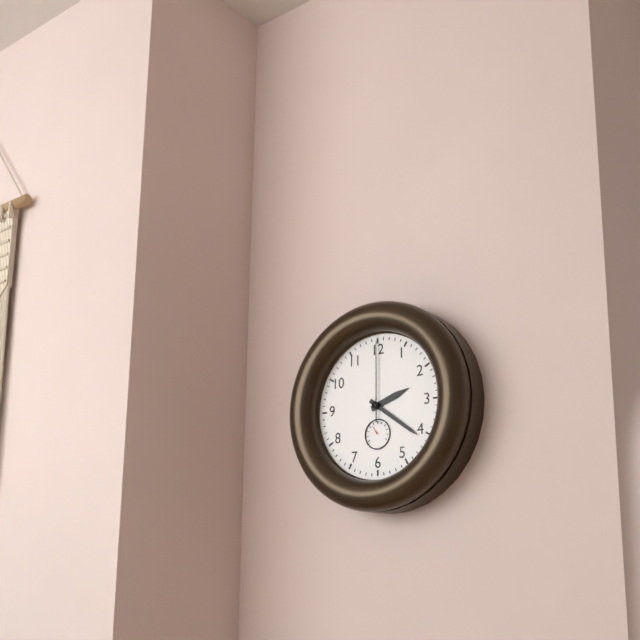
{"hour": 2, "minute": 21, "second": 0}
